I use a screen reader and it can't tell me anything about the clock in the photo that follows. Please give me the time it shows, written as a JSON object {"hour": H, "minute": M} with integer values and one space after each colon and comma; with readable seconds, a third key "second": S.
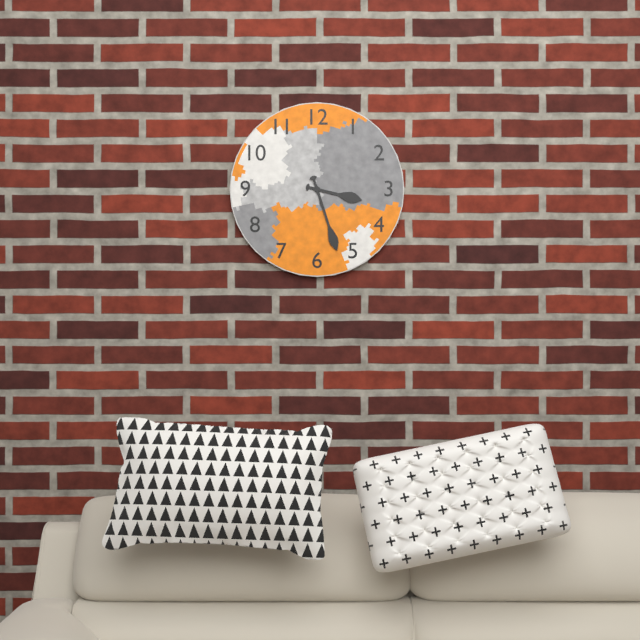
{"hour": 3, "minute": 27}
